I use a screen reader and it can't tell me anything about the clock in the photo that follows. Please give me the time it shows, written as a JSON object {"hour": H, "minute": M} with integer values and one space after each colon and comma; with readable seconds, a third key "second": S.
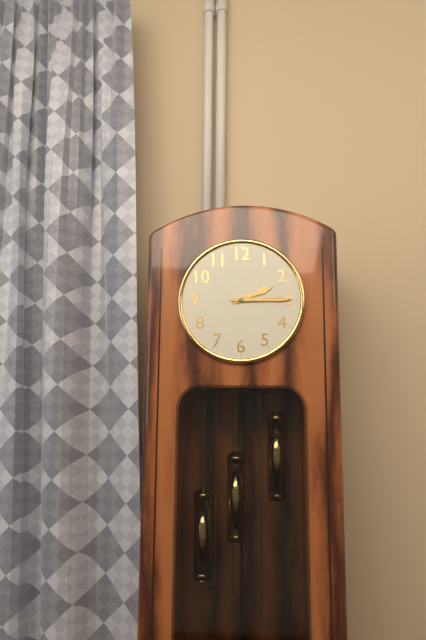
{"hour": 2, "minute": 15}
